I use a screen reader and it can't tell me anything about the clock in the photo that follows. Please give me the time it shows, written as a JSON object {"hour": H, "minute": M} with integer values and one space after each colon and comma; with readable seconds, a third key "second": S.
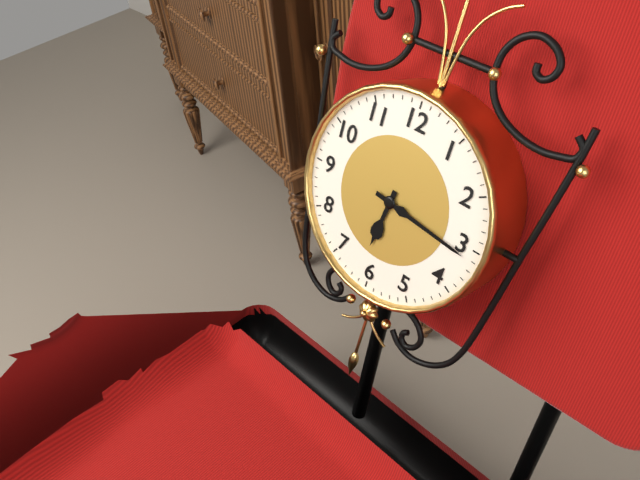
{"hour": 6, "minute": 16}
